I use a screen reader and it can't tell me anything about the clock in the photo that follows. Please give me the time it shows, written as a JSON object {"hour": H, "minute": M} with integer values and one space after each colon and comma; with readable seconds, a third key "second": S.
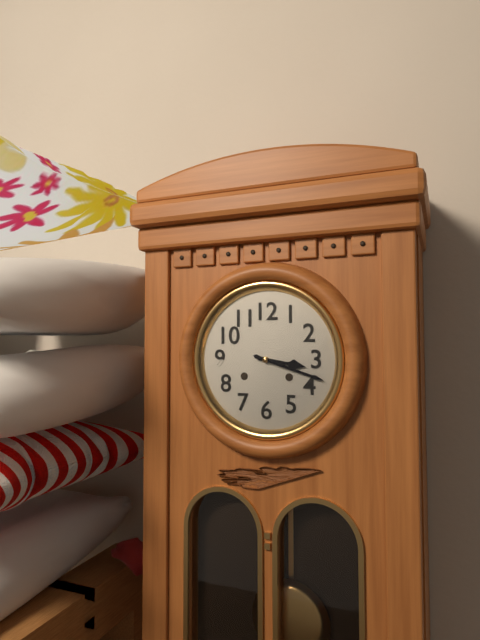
{"hour": 3, "minute": 18}
